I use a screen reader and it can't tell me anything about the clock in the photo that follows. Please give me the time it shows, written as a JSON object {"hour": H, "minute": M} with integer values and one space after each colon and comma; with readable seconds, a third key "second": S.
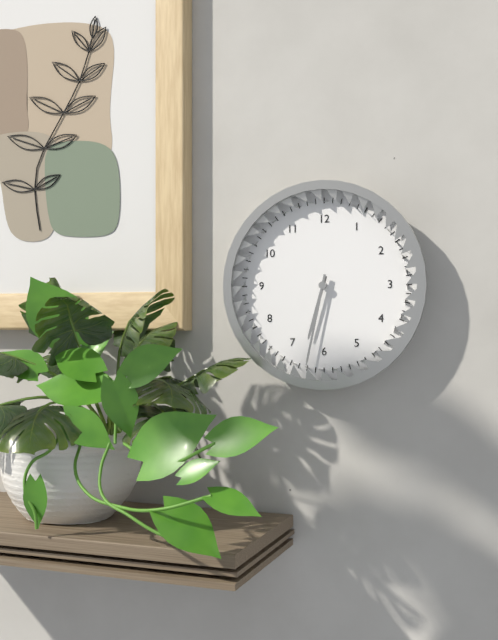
{"hour": 6, "minute": 32}
